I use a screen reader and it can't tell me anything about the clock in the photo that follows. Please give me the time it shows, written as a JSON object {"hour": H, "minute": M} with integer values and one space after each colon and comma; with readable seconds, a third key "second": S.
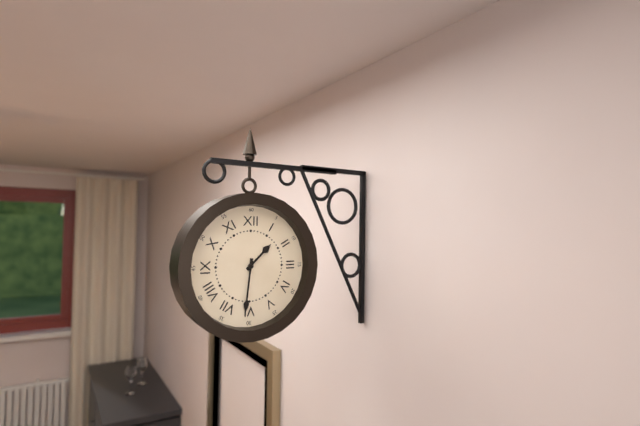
{"hour": 1, "minute": 31}
